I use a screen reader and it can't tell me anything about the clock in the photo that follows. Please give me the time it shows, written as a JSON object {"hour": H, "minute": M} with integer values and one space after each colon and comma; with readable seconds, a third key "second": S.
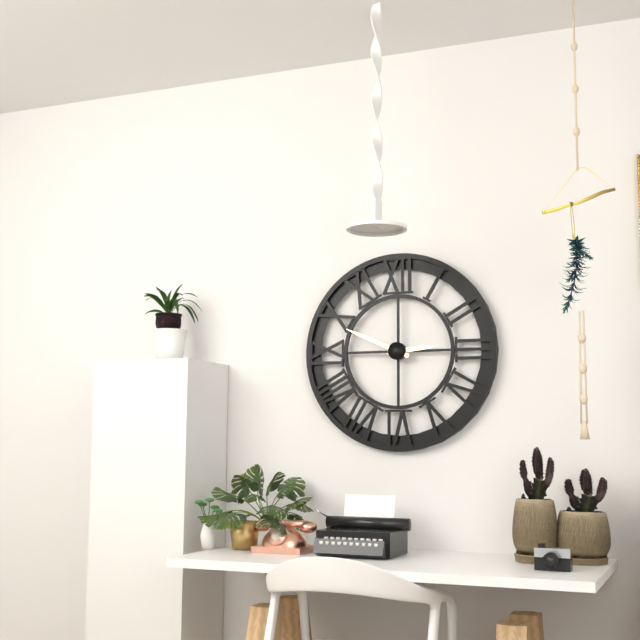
{"hour": 2, "minute": 49}
